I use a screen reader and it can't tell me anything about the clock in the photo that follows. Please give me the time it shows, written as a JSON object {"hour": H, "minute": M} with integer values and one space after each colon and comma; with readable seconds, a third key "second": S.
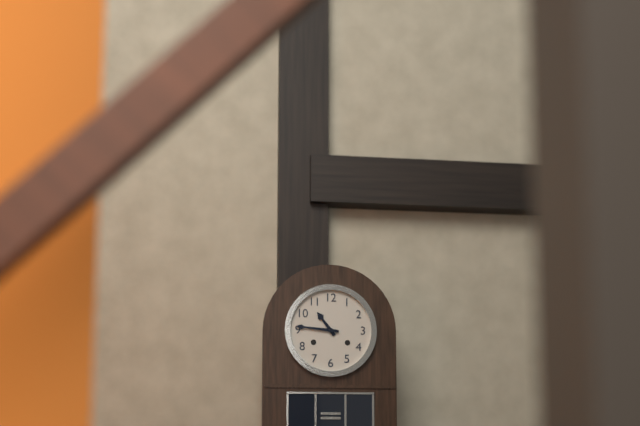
{"hour": 10, "minute": 46}
